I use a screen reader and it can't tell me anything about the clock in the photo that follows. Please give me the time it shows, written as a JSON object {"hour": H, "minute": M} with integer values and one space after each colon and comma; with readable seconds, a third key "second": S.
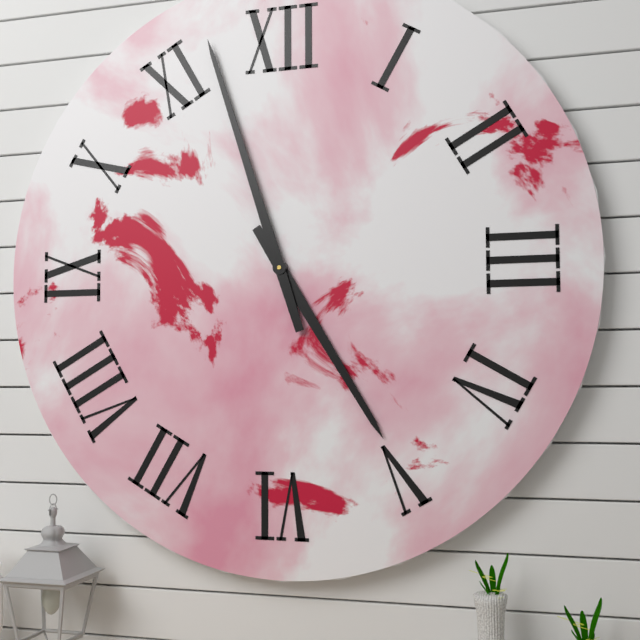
{"hour": 4, "minute": 57}
